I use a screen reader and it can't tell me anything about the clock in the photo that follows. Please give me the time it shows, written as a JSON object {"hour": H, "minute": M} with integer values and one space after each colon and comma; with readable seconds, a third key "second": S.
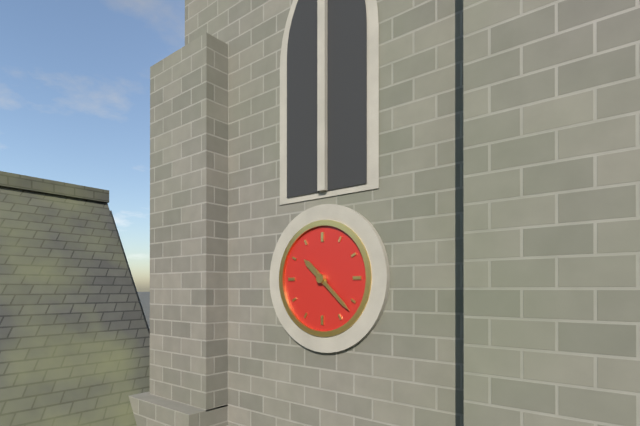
{"hour": 10, "minute": 22}
